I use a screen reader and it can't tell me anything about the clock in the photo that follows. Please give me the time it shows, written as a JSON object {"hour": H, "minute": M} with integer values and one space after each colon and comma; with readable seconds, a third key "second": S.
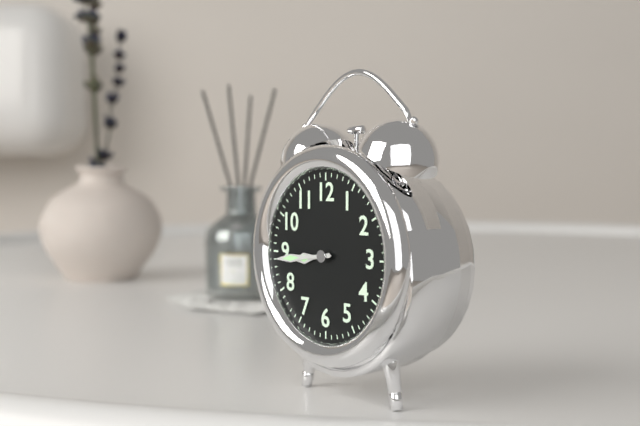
{"hour": 8, "minute": 44}
